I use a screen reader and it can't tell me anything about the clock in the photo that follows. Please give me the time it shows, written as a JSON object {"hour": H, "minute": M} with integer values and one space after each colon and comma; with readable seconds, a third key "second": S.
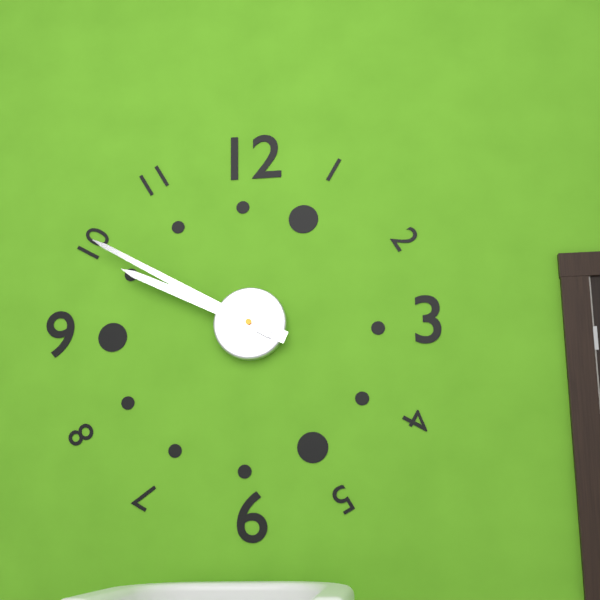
{"hour": 9, "minute": 50}
